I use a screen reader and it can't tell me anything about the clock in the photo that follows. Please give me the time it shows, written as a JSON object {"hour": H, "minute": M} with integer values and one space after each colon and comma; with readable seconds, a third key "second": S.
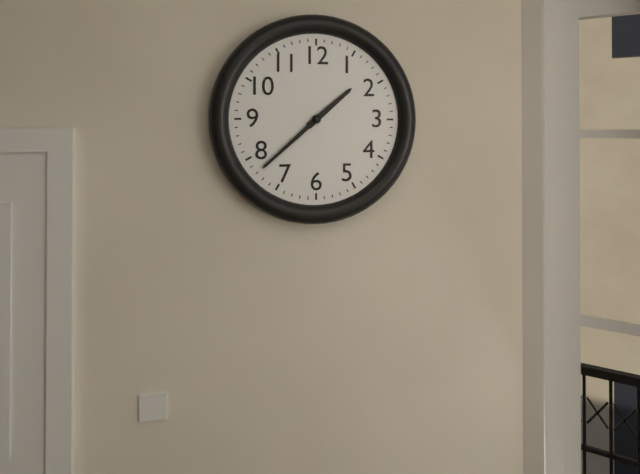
{"hour": 1, "minute": 38}
